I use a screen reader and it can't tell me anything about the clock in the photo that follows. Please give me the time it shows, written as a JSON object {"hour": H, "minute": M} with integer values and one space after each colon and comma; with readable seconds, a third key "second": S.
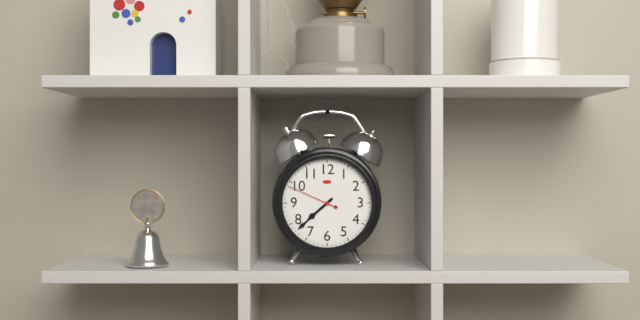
{"hour": 7, "minute": 38, "second": 49}
